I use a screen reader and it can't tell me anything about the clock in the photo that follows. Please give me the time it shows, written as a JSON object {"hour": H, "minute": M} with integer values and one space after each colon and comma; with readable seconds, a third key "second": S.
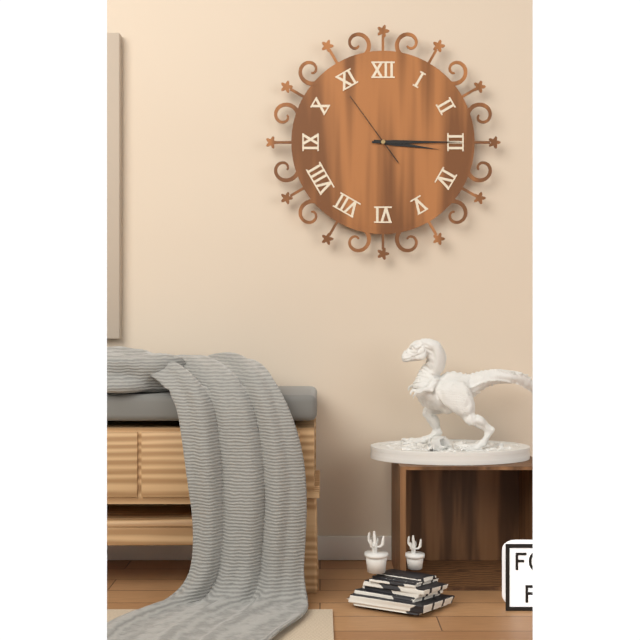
{"hour": 3, "minute": 15, "second": 54}
